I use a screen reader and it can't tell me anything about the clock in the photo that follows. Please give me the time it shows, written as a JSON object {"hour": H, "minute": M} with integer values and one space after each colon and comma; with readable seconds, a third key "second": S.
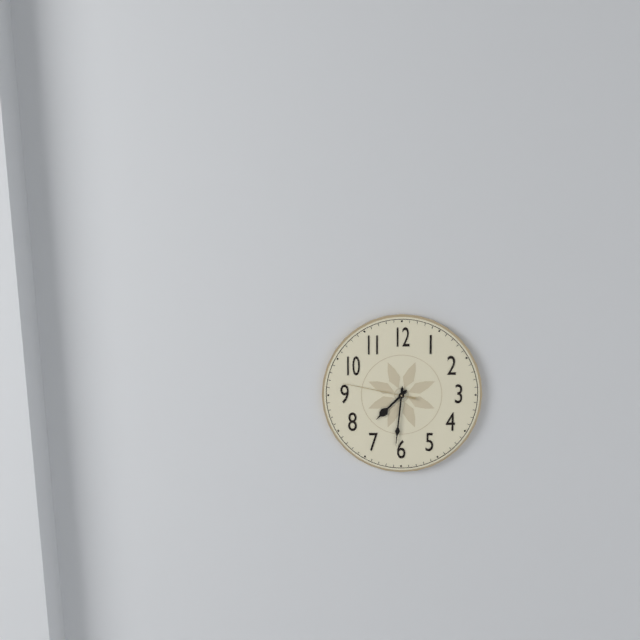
{"hour": 7, "minute": 31, "second": 47}
